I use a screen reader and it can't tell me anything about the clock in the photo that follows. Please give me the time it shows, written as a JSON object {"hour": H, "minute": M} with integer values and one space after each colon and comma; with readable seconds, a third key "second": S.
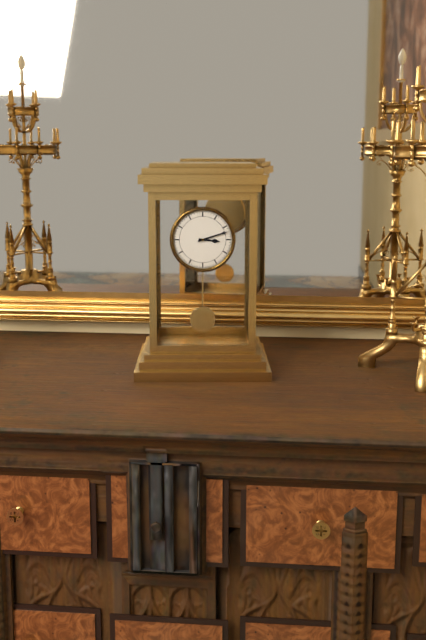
{"hour": 3, "minute": 12}
